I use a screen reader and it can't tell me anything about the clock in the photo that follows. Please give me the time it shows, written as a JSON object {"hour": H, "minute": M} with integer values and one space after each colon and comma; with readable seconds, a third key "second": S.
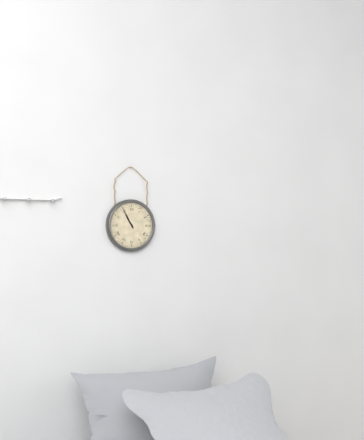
{"hour": 10, "minute": 55}
